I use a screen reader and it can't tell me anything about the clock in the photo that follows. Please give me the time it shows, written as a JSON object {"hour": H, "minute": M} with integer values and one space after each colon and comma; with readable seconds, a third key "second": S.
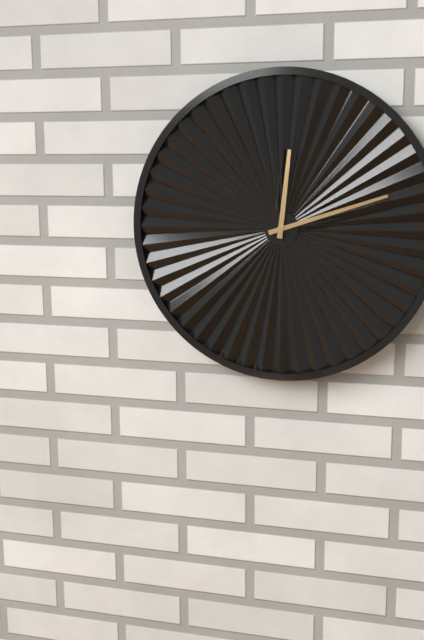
{"hour": 12, "minute": 12}
